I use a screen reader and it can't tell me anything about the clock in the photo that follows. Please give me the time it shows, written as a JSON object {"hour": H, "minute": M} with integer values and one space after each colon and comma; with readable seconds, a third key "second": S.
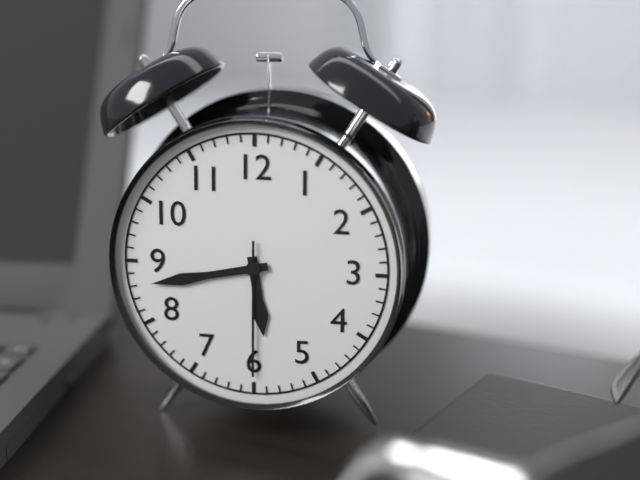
{"hour": 5, "minute": 43, "second": 30}
